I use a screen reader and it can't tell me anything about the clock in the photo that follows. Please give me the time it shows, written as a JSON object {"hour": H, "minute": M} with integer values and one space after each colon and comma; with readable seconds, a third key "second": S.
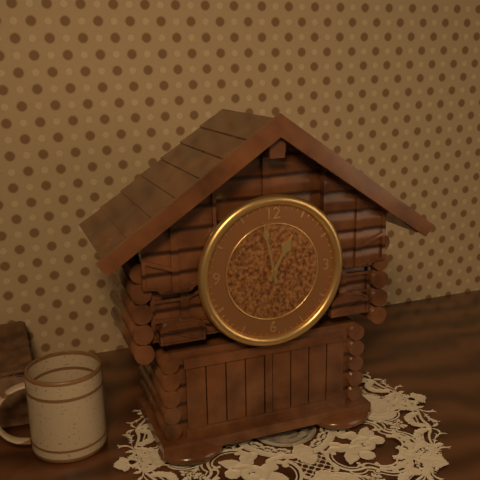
{"hour": 12, "minute": 58}
